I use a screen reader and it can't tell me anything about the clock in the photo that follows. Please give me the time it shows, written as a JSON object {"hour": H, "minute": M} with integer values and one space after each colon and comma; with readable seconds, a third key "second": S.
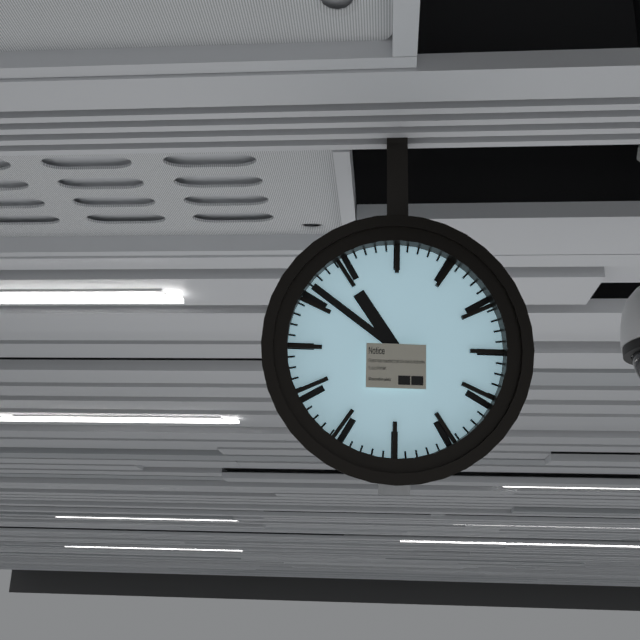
{"hour": 10, "minute": 51}
